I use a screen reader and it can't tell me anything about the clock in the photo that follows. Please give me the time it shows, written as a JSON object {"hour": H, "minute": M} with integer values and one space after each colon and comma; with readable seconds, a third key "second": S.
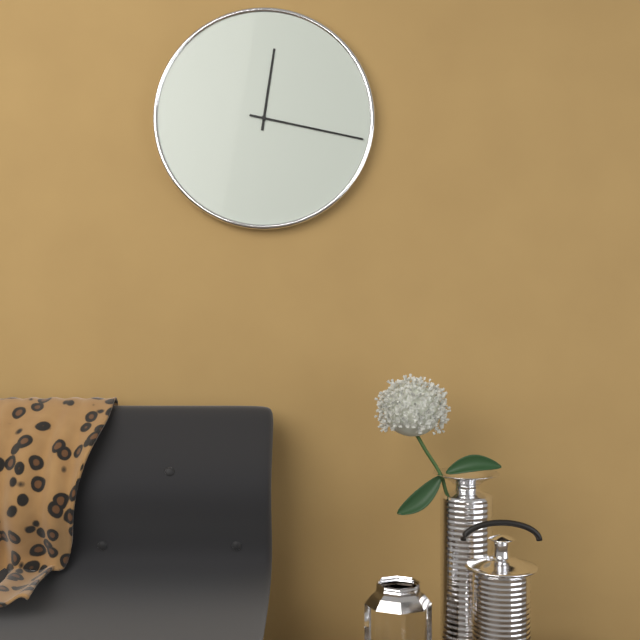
{"hour": 12, "minute": 17}
